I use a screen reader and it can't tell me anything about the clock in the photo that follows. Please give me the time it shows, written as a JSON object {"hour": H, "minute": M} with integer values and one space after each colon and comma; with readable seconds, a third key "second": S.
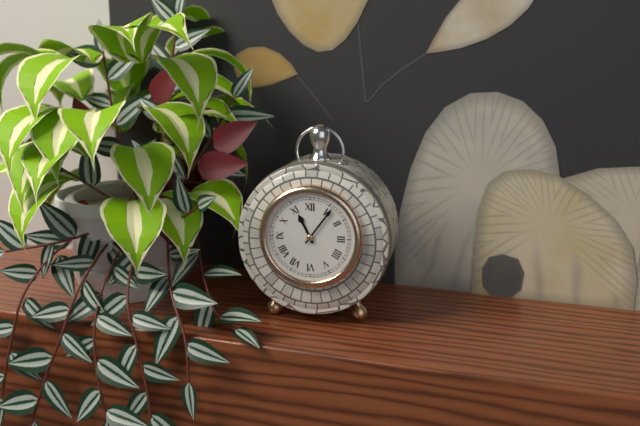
{"hour": 11, "minute": 6}
